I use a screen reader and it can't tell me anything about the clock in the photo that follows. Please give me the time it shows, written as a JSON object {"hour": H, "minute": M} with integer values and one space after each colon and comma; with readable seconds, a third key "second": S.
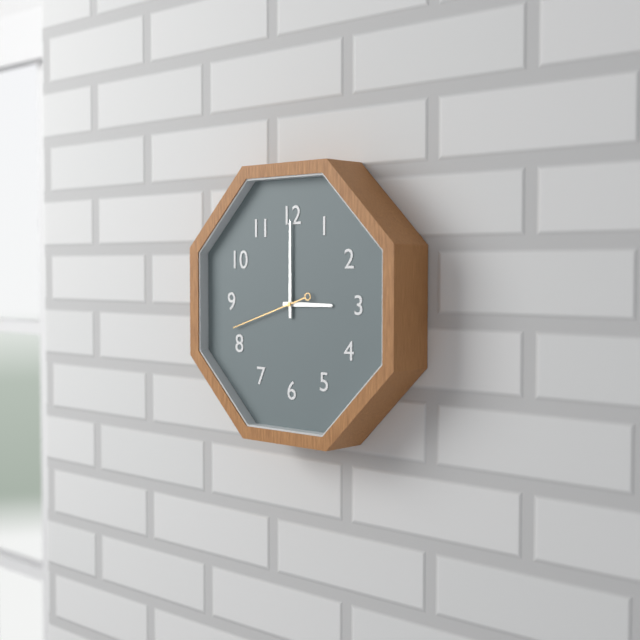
{"hour": 3, "minute": 0, "second": 42}
